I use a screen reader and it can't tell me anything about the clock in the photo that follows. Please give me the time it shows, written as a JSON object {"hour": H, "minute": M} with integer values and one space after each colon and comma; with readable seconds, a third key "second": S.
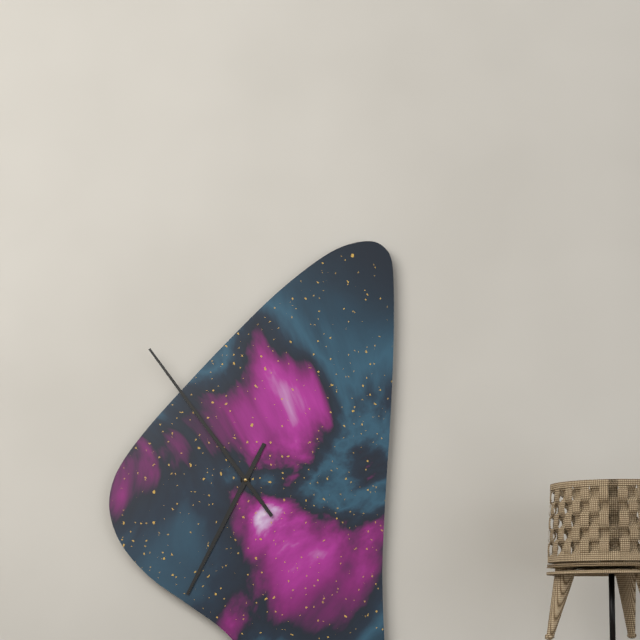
{"hour": 6, "minute": 54}
